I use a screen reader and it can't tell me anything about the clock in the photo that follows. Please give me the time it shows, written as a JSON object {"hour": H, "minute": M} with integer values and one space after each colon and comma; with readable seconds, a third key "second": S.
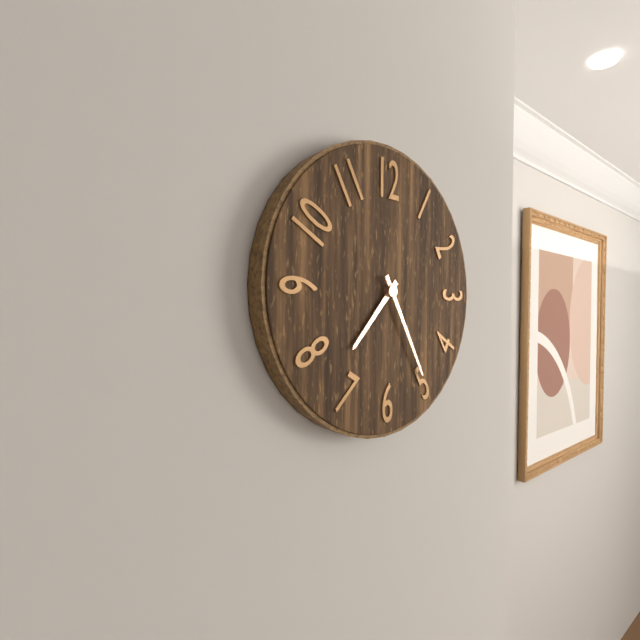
{"hour": 7, "minute": 25}
